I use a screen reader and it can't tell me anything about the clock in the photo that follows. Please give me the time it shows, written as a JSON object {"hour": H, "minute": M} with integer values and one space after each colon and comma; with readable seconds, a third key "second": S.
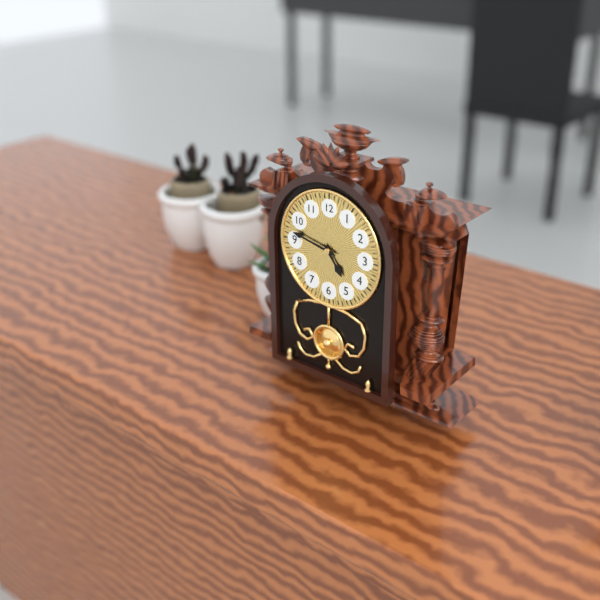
{"hour": 4, "minute": 47}
